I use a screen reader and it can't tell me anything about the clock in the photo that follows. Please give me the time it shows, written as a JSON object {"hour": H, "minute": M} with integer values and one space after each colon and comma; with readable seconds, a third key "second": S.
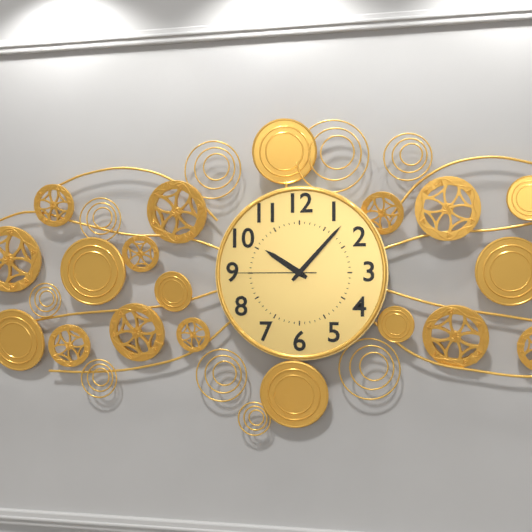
{"hour": 10, "minute": 7, "second": 45}
